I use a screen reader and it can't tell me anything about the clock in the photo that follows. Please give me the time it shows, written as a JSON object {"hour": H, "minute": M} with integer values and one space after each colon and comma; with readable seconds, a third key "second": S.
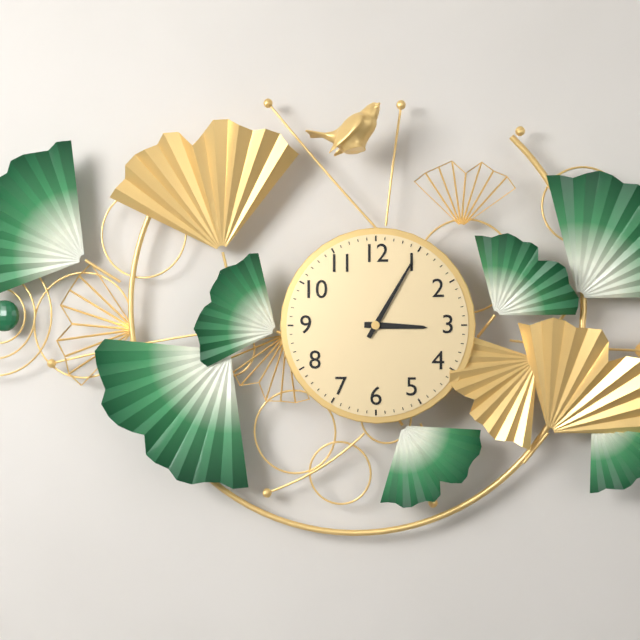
{"hour": 3, "minute": 5}
